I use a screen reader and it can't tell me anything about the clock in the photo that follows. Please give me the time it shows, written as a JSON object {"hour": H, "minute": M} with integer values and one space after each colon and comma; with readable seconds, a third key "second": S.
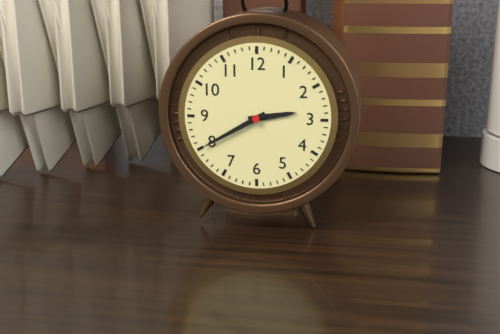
{"hour": 2, "minute": 40}
